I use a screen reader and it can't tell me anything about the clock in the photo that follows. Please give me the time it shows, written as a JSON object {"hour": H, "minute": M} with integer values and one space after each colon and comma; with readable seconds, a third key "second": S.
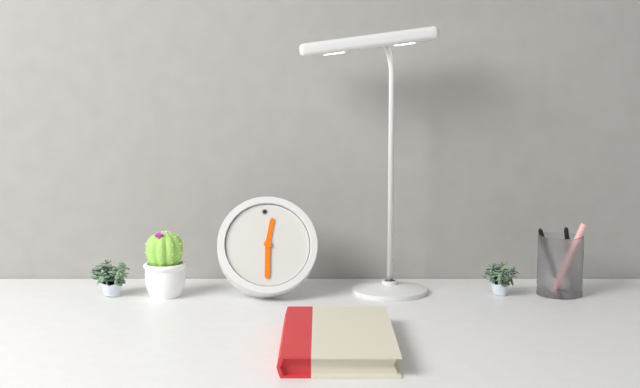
{"hour": 12, "minute": 31}
